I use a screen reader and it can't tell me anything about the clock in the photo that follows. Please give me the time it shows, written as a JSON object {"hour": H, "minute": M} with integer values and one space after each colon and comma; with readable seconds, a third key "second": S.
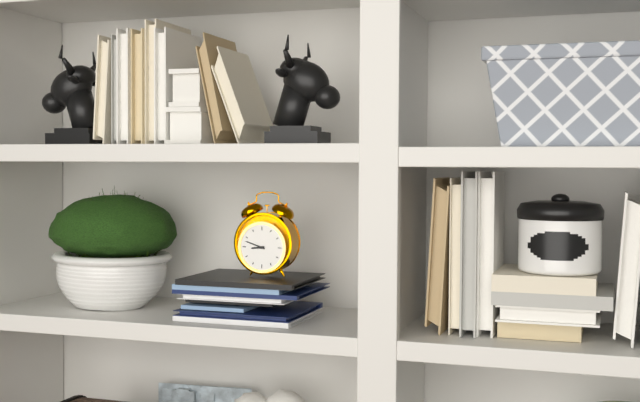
{"hour": 8, "minute": 48}
